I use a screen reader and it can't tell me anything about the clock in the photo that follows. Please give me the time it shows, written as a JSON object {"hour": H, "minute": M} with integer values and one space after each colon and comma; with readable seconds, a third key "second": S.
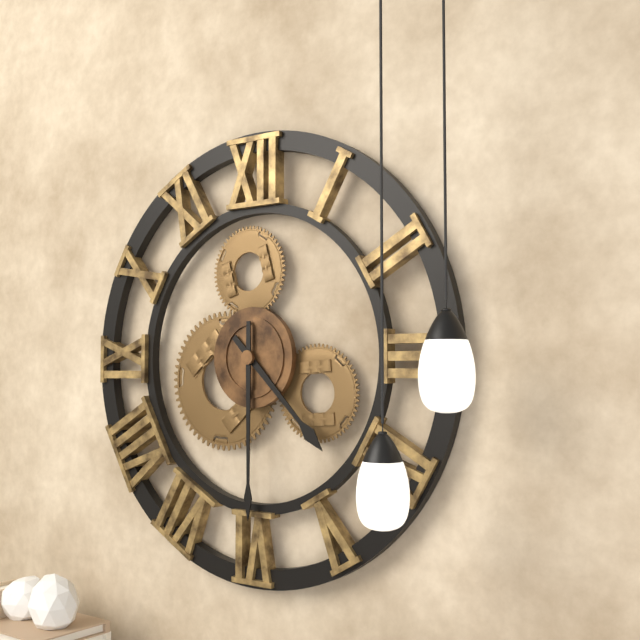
{"hour": 4, "minute": 30}
